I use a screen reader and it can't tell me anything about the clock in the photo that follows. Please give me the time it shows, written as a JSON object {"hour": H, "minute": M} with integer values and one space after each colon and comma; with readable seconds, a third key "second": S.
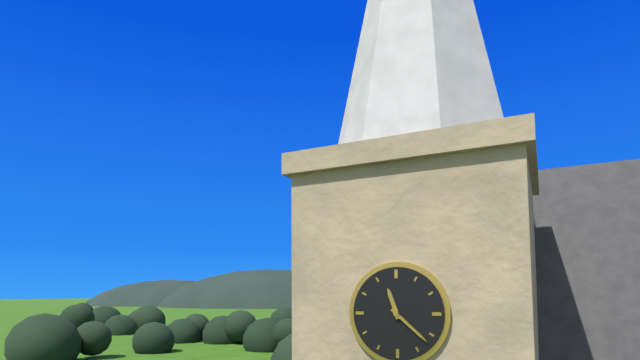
{"hour": 11, "minute": 22}
